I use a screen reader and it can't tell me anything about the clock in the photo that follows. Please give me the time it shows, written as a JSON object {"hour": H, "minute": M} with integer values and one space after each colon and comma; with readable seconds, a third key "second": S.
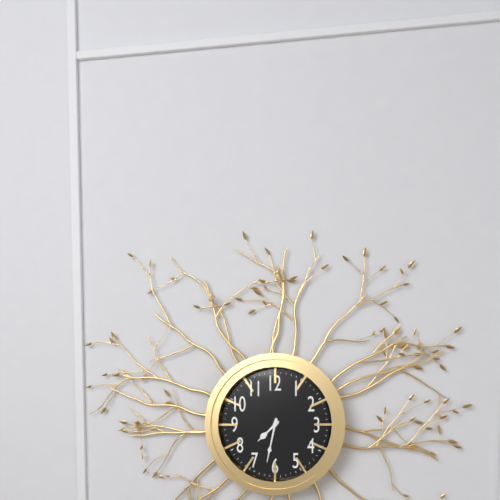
{"hour": 7, "minute": 32}
